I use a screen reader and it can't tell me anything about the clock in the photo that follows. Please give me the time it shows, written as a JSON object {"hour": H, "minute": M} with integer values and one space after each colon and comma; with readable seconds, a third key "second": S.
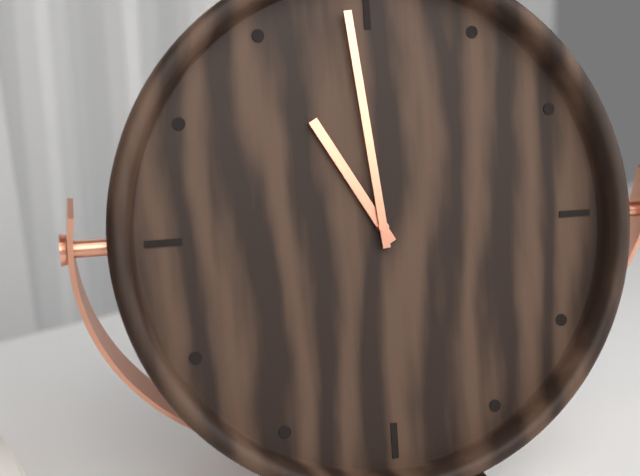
{"hour": 10, "minute": 59}
